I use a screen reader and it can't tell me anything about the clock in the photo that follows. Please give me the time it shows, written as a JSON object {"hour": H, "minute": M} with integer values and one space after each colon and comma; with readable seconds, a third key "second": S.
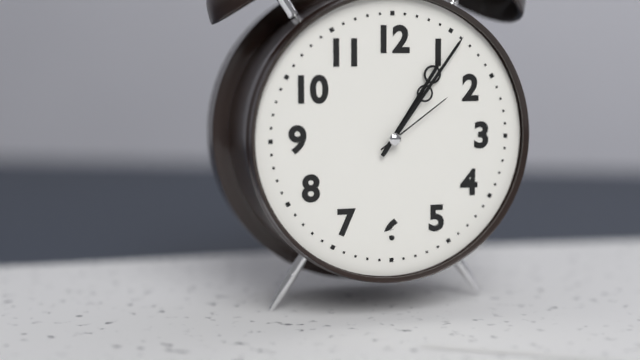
{"hour": 1, "minute": 6, "second": 9}
